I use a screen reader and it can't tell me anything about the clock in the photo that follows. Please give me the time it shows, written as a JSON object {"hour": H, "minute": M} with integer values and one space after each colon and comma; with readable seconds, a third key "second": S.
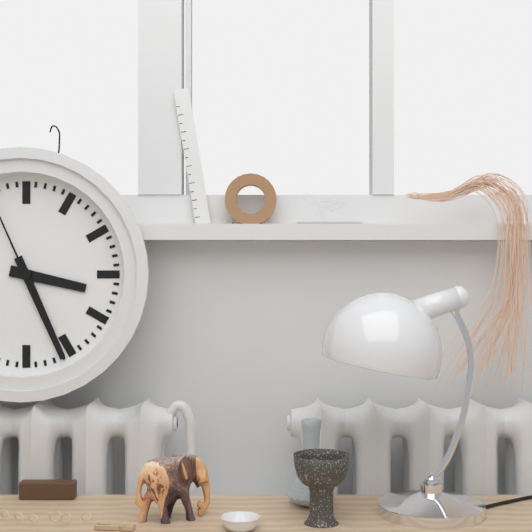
{"hour": 3, "minute": 26}
